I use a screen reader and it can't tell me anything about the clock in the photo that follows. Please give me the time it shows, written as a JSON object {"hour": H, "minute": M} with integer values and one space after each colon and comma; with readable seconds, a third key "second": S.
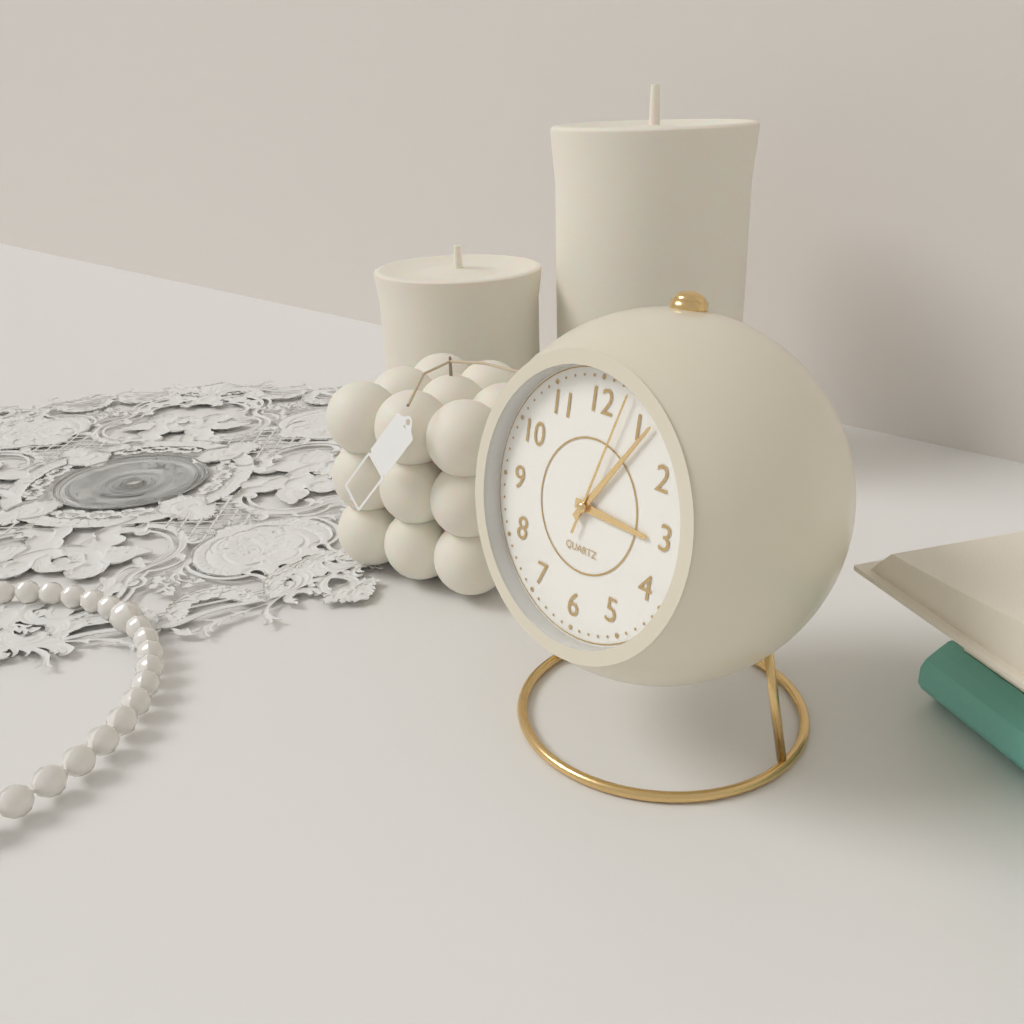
{"hour": 3, "minute": 6, "second": 3}
